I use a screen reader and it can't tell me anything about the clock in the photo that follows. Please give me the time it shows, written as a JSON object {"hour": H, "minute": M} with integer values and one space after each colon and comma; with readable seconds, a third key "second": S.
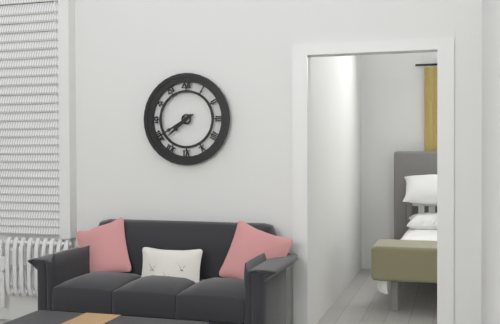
{"hour": 7, "minute": 40}
